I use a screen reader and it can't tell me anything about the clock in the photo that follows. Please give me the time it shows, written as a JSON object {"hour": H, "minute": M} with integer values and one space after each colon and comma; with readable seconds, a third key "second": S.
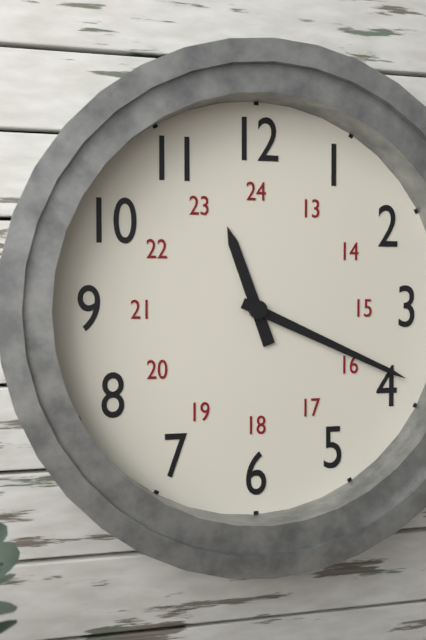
{"hour": 11, "minute": 19}
